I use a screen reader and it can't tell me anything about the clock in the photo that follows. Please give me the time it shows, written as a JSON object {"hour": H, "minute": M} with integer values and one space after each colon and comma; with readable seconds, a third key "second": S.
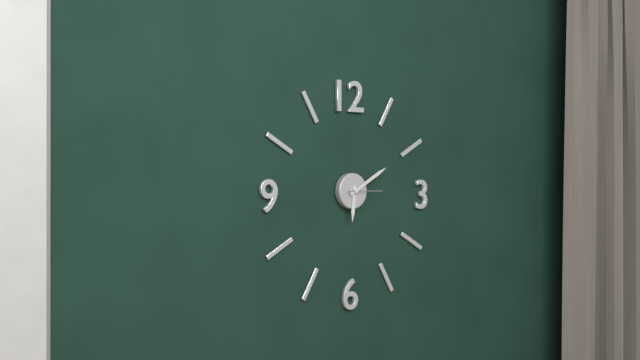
{"hour": 6, "minute": 10}
